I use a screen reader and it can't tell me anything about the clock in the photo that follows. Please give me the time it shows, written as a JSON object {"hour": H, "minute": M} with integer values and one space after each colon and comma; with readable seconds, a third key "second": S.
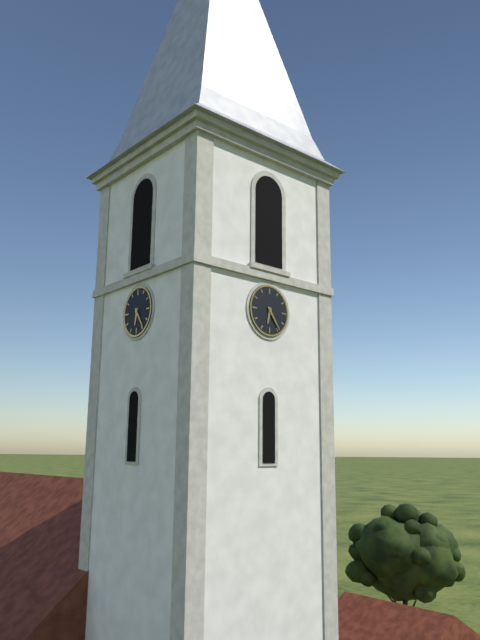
{"hour": 6, "minute": 24}
